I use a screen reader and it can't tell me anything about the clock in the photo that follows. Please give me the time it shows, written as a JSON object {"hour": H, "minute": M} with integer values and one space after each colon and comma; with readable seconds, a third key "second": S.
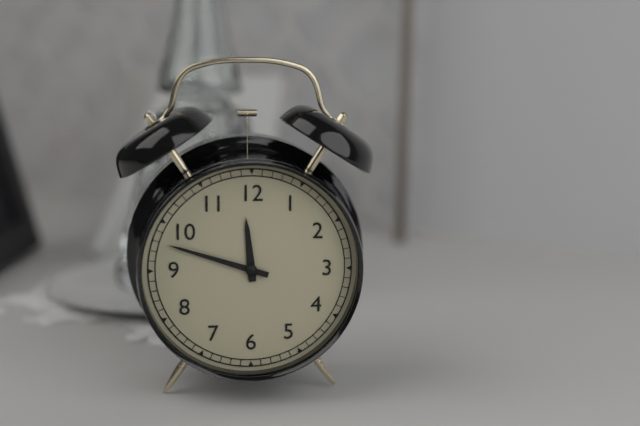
{"hour": 11, "minute": 48}
